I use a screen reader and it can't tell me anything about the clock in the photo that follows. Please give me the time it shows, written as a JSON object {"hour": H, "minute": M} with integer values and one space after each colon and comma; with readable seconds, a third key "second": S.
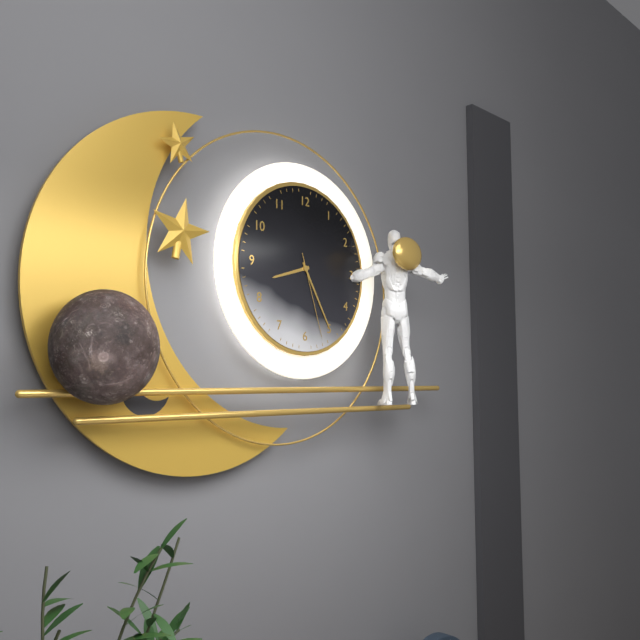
{"hour": 8, "minute": 25, "second": 27}
